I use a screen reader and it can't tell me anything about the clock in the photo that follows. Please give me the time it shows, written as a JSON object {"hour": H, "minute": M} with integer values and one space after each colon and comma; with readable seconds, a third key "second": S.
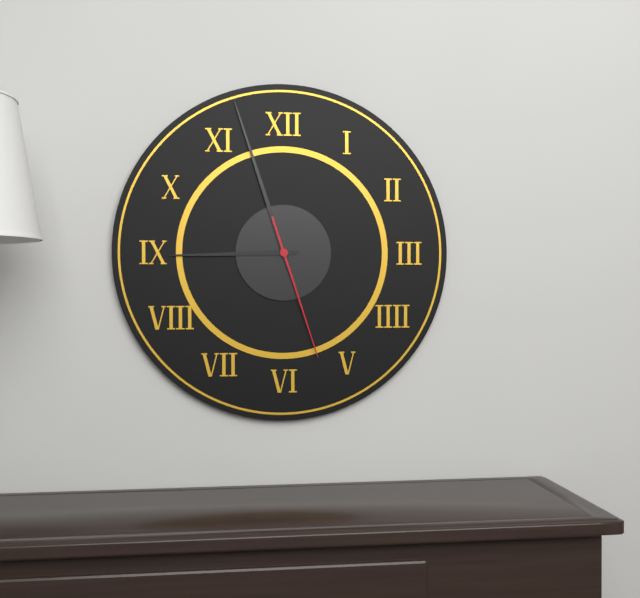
{"hour": 8, "minute": 57, "second": 27}
